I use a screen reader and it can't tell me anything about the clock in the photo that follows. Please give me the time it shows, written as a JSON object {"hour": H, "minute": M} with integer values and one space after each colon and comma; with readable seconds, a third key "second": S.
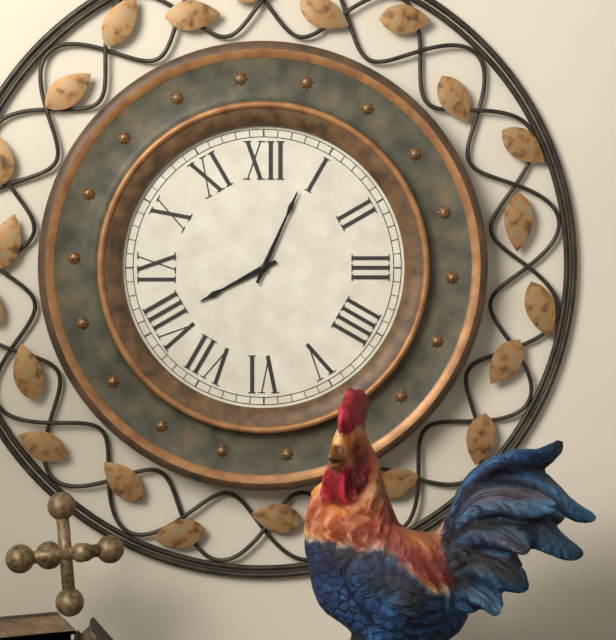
{"hour": 8, "minute": 4}
